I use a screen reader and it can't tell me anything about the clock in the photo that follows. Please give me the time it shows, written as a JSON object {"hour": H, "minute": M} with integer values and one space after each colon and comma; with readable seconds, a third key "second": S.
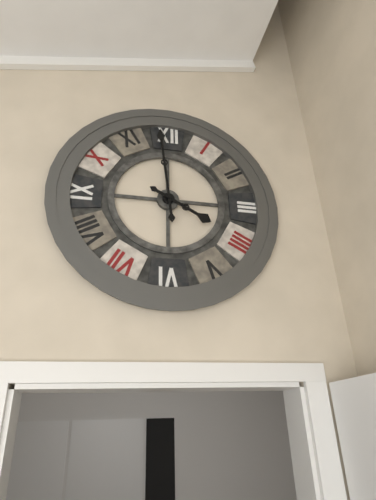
{"hour": 3, "minute": 59}
